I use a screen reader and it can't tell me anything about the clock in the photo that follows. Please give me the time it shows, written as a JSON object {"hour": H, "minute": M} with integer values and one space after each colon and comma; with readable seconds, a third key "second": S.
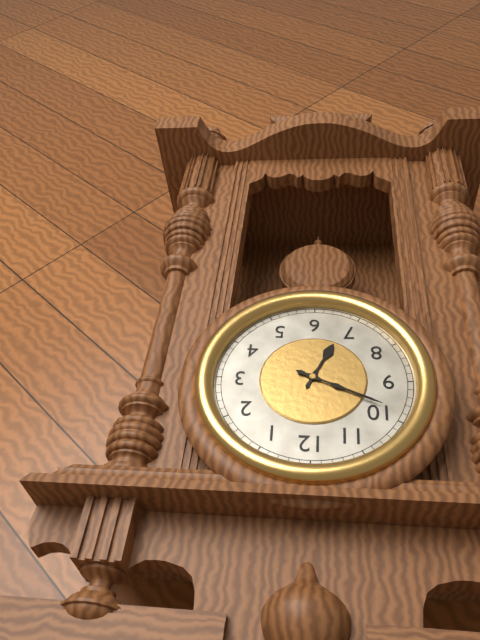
{"hour": 6, "minute": 49}
